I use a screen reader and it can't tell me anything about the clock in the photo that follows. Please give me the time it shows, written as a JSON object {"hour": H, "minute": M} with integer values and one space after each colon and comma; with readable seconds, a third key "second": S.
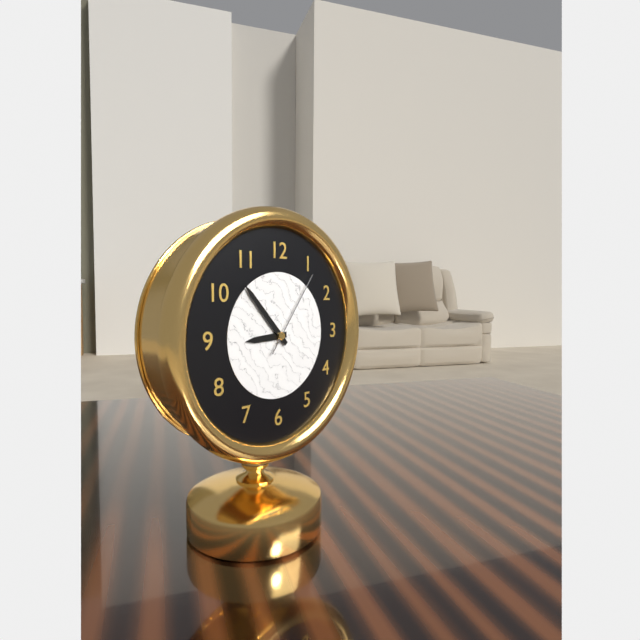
{"hour": 8, "minute": 53, "second": 6}
